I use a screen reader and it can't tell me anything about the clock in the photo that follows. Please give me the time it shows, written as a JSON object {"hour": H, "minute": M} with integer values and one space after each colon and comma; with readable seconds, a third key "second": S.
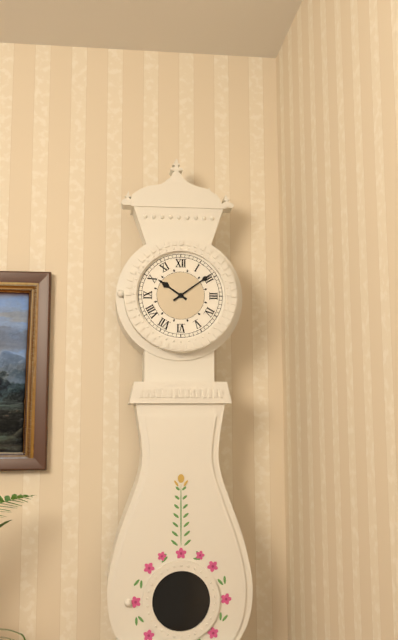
{"hour": 10, "minute": 9}
